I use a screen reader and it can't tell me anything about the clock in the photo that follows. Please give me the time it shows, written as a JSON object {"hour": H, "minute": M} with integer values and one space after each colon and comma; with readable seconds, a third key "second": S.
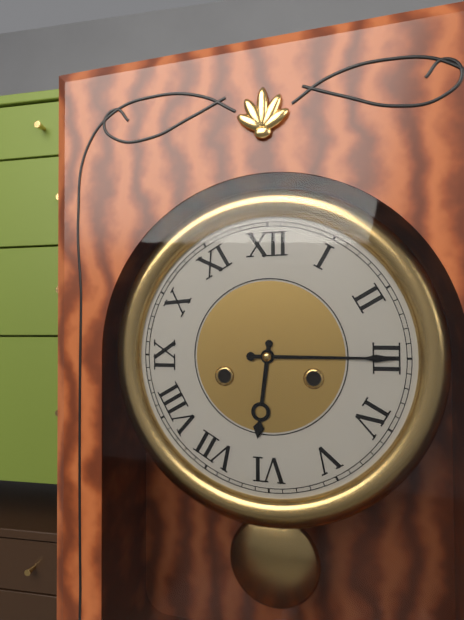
{"hour": 6, "minute": 15}
